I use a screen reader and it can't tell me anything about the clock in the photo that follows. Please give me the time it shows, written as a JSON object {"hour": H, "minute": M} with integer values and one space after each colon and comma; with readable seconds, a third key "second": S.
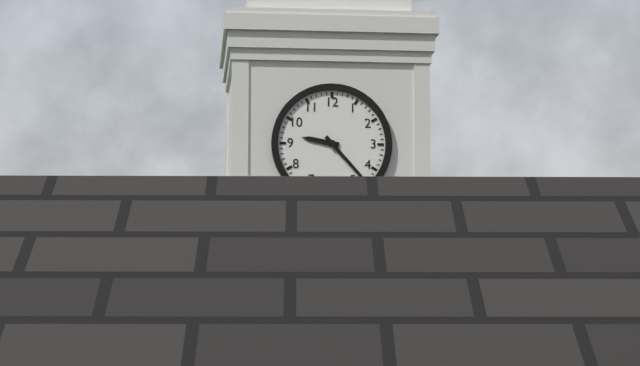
{"hour": 9, "minute": 23}
